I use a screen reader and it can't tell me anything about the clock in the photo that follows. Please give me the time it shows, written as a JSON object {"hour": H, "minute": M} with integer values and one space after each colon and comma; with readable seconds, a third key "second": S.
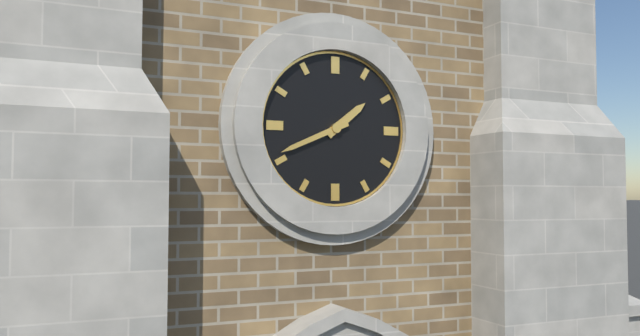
{"hour": 1, "minute": 41}
